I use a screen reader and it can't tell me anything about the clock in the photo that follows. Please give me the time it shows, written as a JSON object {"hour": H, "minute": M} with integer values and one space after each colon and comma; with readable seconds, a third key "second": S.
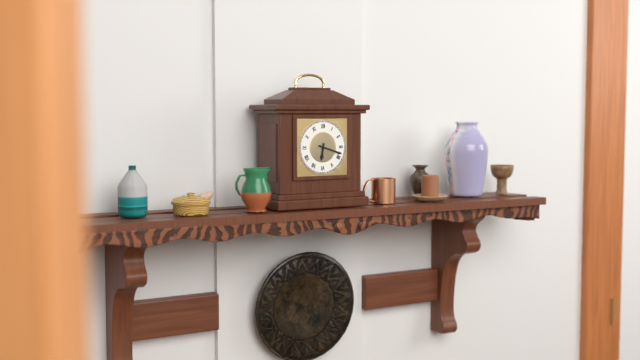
{"hour": 6, "minute": 18}
